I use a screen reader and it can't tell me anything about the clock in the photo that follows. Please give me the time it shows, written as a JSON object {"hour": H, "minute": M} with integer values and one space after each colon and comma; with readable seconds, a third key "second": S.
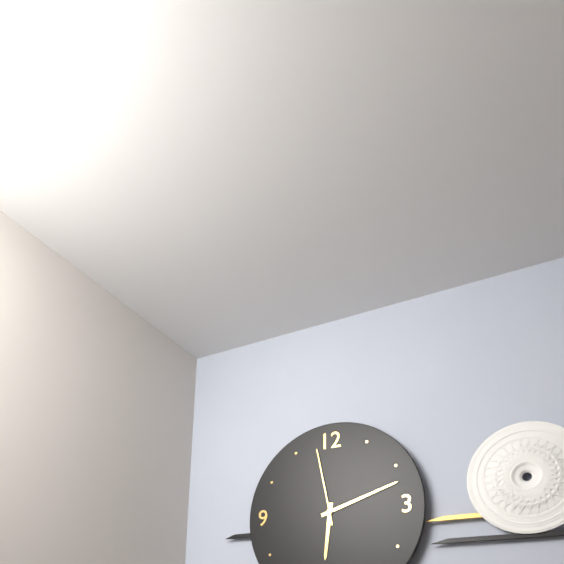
{"hour": 6, "minute": 12, "second": 58}
